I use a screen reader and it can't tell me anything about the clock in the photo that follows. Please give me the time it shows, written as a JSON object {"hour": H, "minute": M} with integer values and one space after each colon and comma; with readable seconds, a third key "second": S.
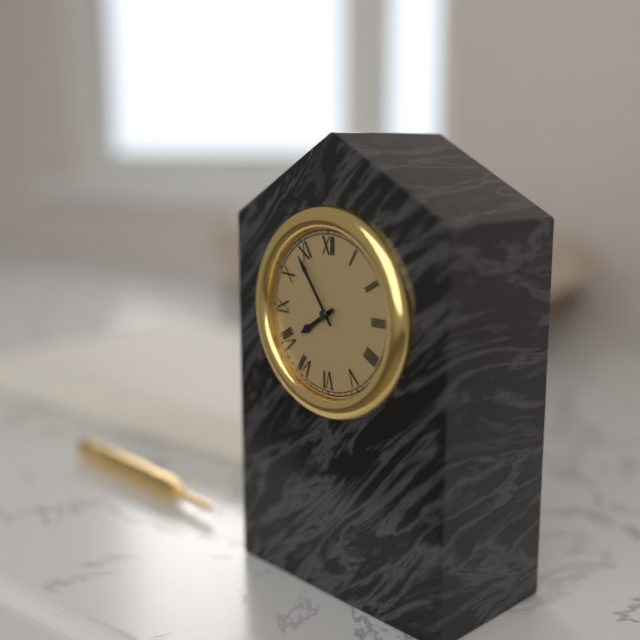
{"hour": 7, "minute": 54}
